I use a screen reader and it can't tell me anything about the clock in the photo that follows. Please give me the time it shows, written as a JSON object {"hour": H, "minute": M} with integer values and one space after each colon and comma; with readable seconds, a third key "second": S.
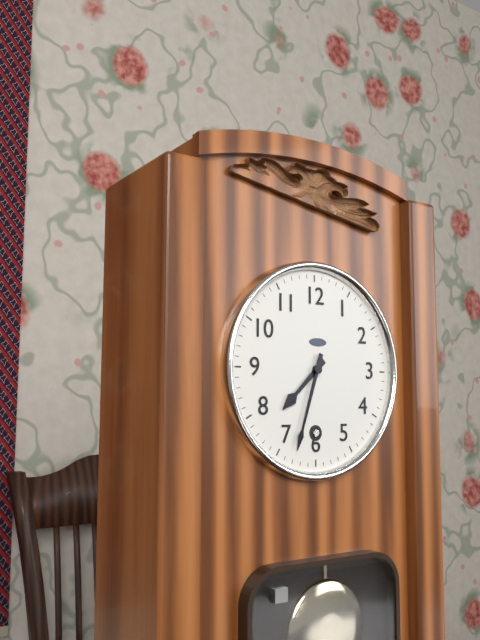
{"hour": 7, "minute": 33}
